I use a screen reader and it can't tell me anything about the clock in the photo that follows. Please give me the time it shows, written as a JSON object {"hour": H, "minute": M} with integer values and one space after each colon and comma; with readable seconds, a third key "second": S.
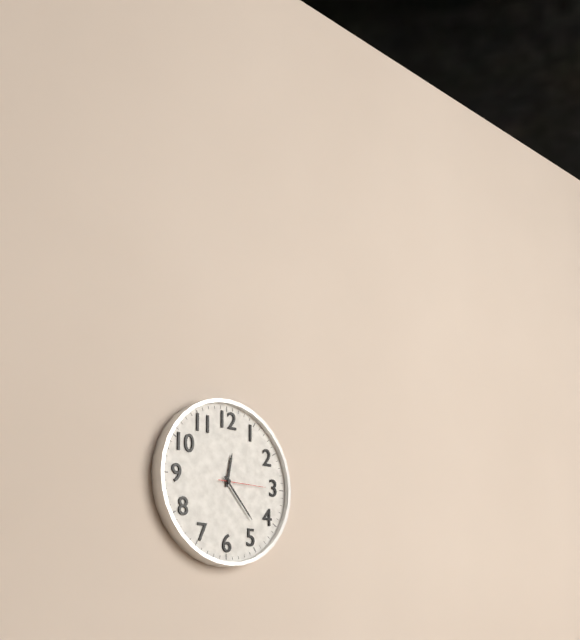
{"hour": 12, "minute": 23}
